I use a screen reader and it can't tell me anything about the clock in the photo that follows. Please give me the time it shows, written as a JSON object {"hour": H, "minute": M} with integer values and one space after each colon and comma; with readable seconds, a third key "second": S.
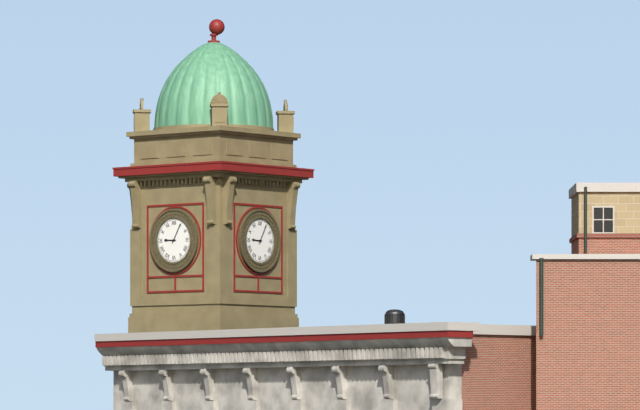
{"hour": 9, "minute": 5}
